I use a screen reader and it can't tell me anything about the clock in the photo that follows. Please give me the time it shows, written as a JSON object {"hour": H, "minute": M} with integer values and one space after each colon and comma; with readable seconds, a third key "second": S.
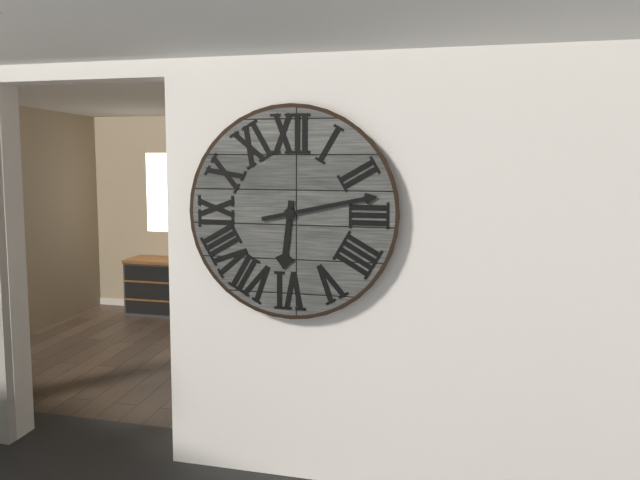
{"hour": 6, "minute": 13}
